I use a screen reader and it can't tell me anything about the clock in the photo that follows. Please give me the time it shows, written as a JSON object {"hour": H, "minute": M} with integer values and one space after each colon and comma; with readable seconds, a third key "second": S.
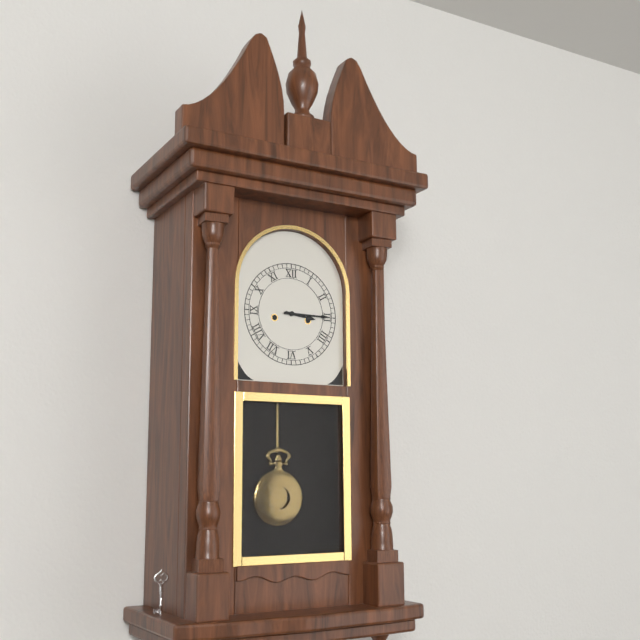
{"hour": 3, "minute": 15}
